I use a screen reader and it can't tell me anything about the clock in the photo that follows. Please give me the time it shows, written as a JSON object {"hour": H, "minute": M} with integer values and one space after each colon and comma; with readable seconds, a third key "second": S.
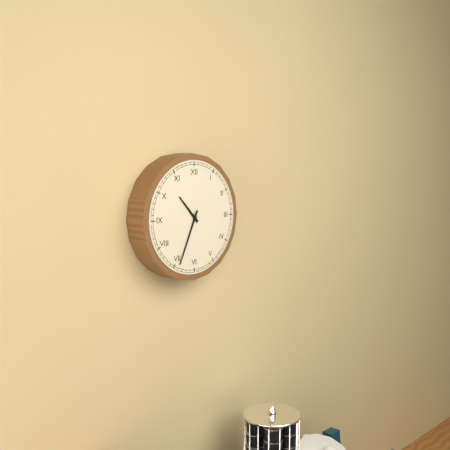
{"hour": 10, "minute": 34}
